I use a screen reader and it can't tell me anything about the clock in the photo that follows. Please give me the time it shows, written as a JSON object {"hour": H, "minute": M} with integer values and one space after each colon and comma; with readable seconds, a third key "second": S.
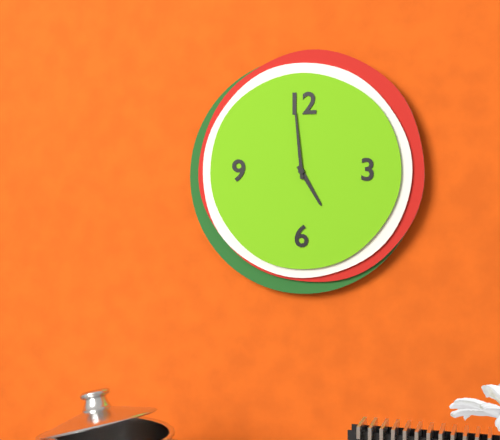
{"hour": 4, "minute": 59}
